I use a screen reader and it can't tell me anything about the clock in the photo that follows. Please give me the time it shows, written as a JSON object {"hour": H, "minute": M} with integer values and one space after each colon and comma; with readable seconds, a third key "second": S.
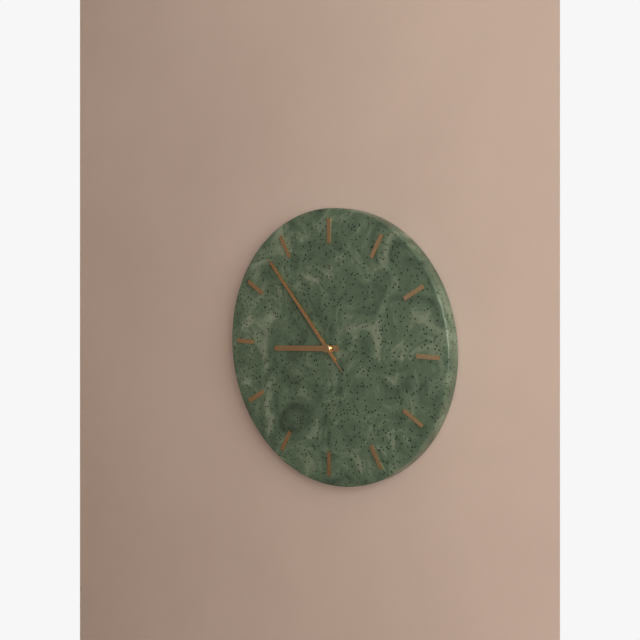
{"hour": 8, "minute": 53, "second": 53}
